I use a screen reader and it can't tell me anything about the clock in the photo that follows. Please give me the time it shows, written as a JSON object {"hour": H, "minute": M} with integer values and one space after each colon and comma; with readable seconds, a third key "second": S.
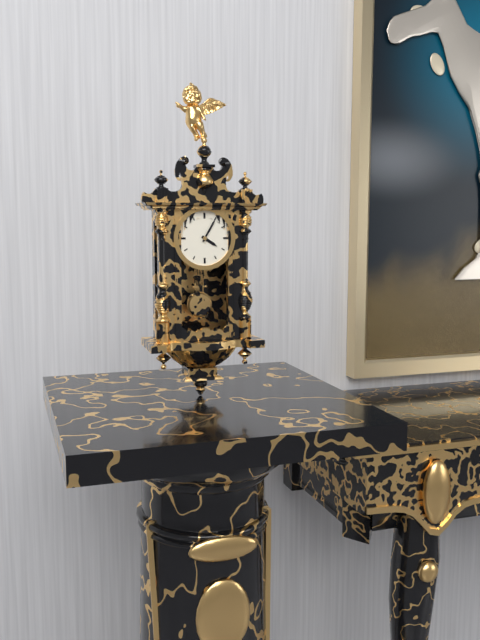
{"hour": 4, "minute": 5}
